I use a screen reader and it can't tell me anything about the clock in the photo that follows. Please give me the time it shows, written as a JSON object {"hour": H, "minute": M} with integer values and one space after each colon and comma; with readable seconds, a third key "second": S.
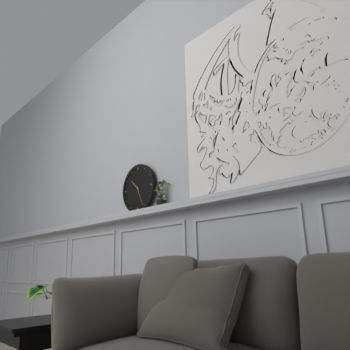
{"hour": 10, "minute": 26}
